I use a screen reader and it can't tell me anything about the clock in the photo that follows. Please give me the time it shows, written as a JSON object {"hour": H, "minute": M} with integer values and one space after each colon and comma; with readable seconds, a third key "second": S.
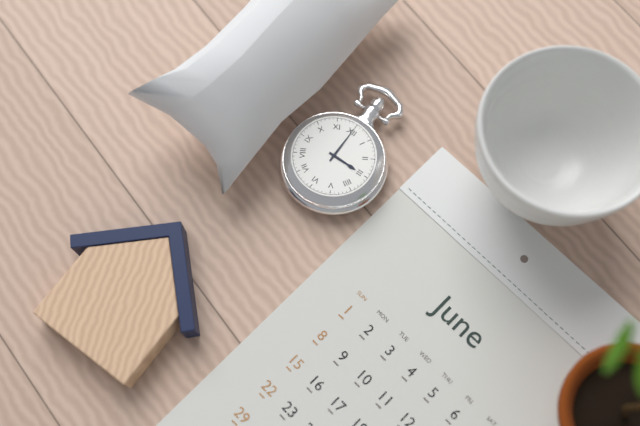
{"hour": 3, "minute": 0}
